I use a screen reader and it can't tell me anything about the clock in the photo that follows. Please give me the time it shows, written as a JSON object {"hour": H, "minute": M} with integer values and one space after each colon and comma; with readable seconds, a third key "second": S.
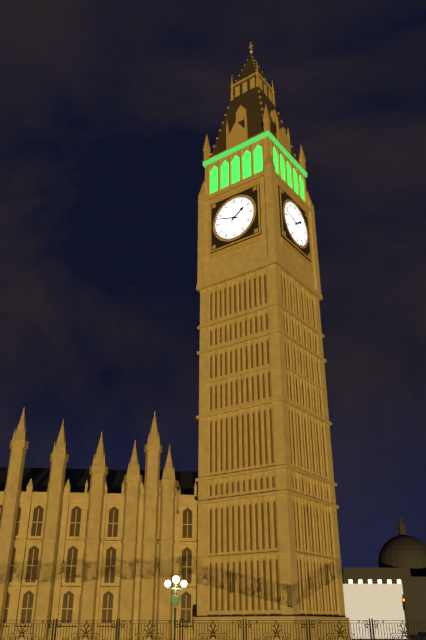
{"hour": 1, "minute": 48}
